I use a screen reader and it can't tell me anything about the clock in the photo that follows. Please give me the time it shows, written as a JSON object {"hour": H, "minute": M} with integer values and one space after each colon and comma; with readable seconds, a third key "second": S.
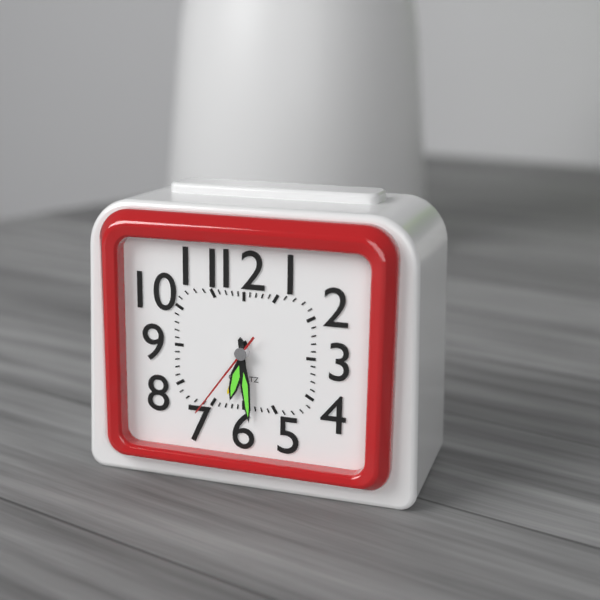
{"hour": 6, "minute": 29, "second": 36}
